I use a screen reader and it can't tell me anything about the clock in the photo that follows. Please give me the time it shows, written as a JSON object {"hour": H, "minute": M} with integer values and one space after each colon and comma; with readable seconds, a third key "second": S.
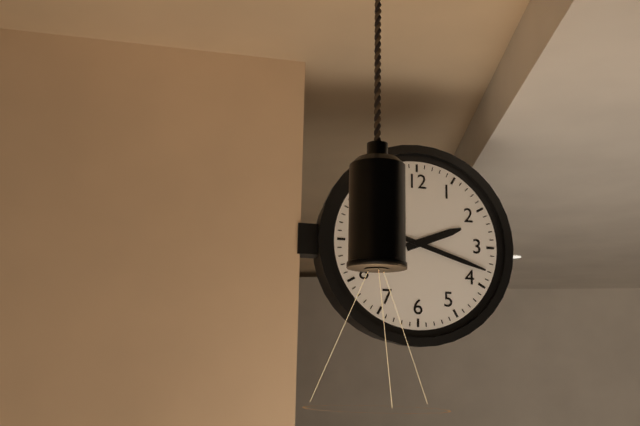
{"hour": 2, "minute": 18}
